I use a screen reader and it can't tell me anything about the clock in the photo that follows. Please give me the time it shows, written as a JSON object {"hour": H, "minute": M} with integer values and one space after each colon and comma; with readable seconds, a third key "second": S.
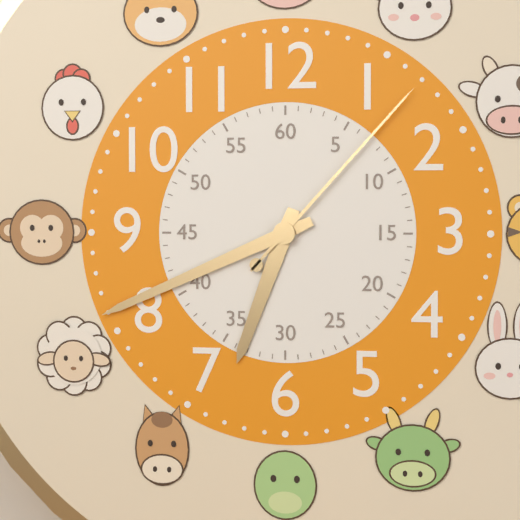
{"hour": 6, "minute": 41, "second": 7}
